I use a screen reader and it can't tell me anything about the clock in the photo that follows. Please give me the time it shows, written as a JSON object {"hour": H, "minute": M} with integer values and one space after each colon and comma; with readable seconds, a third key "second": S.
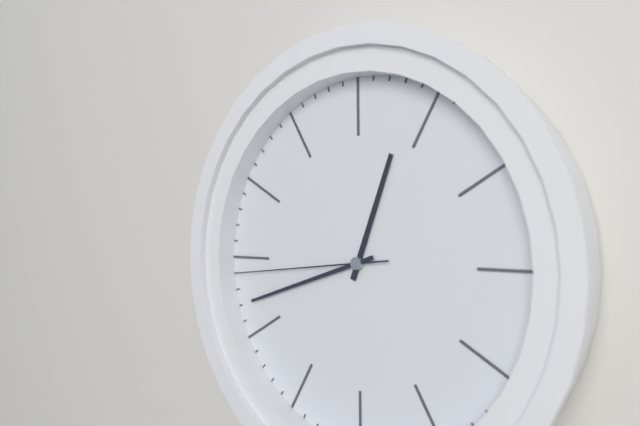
{"hour": 12, "minute": 42, "second": 44}
